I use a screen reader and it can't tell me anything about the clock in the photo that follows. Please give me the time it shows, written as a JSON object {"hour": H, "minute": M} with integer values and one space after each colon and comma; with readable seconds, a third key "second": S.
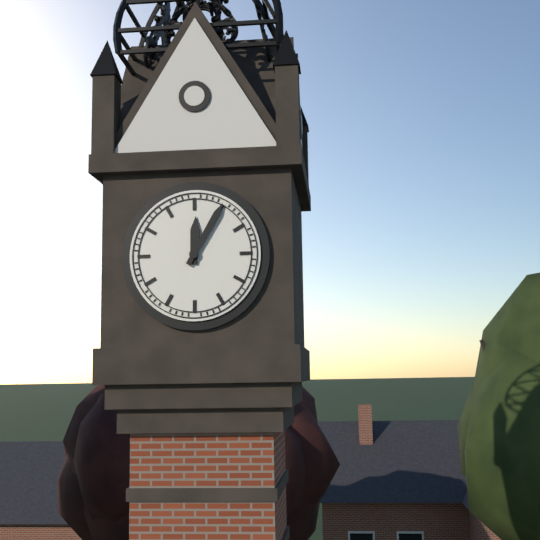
{"hour": 12, "minute": 5}
